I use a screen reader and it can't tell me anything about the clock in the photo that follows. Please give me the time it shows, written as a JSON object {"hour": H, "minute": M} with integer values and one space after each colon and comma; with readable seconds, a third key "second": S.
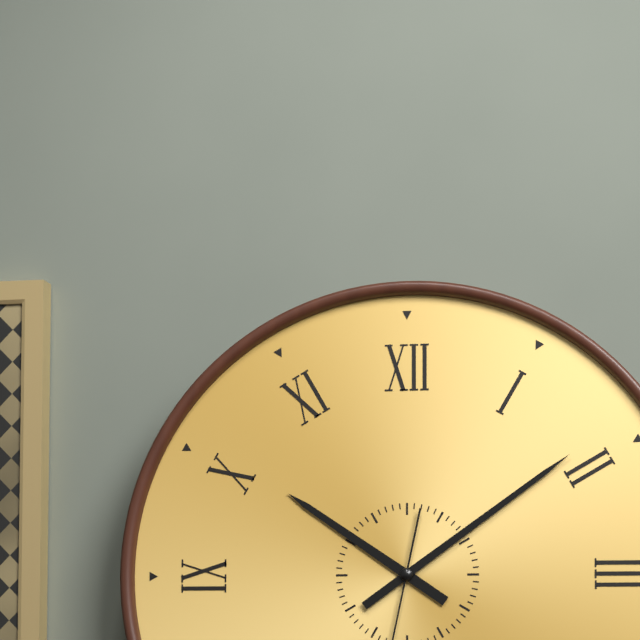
{"hour": 10, "minute": 9}
